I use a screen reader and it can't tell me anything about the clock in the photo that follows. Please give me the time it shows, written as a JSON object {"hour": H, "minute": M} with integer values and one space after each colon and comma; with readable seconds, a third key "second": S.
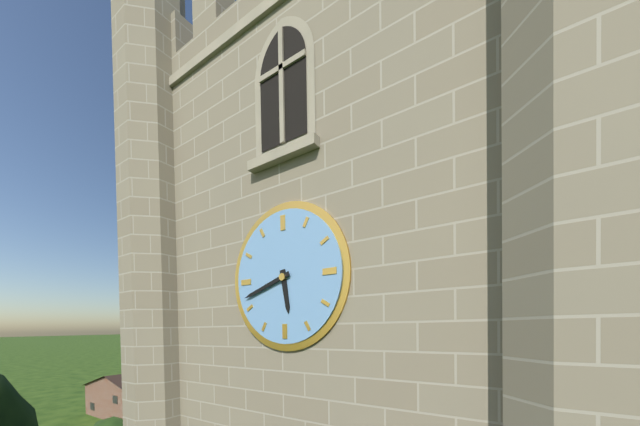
{"hour": 5, "minute": 42}
